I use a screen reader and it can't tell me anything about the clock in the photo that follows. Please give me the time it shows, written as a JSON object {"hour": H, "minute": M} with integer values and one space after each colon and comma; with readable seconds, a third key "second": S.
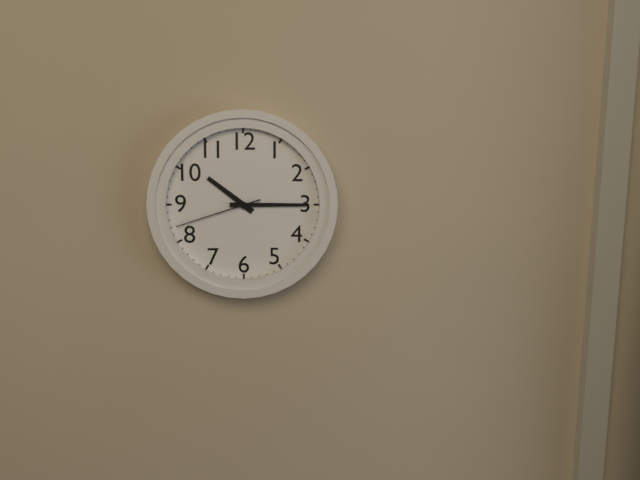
{"hour": 10, "minute": 15, "second": 42}
